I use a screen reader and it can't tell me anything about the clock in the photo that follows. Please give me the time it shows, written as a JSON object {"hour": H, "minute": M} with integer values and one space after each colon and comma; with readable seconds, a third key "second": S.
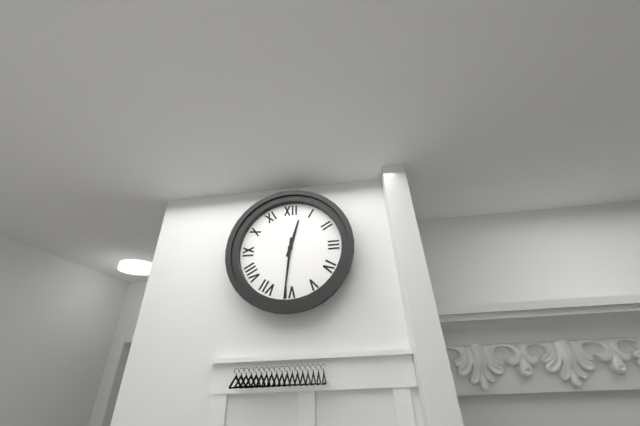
{"hour": 12, "minute": 31}
